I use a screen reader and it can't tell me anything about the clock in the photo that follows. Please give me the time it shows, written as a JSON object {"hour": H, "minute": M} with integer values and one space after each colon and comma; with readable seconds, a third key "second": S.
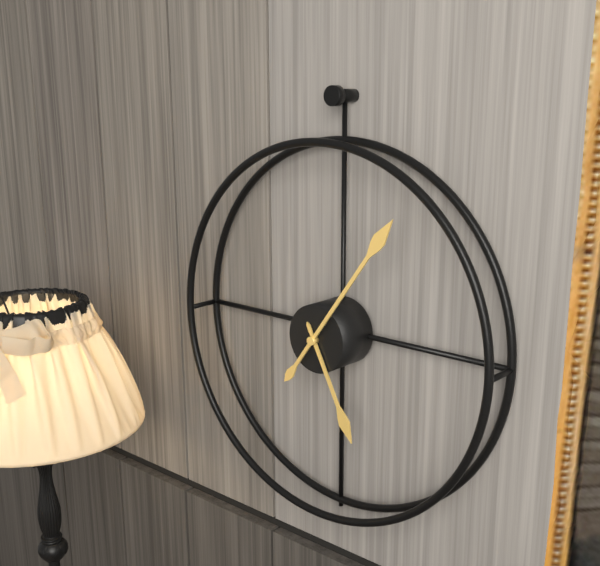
{"hour": 5, "minute": 6}
